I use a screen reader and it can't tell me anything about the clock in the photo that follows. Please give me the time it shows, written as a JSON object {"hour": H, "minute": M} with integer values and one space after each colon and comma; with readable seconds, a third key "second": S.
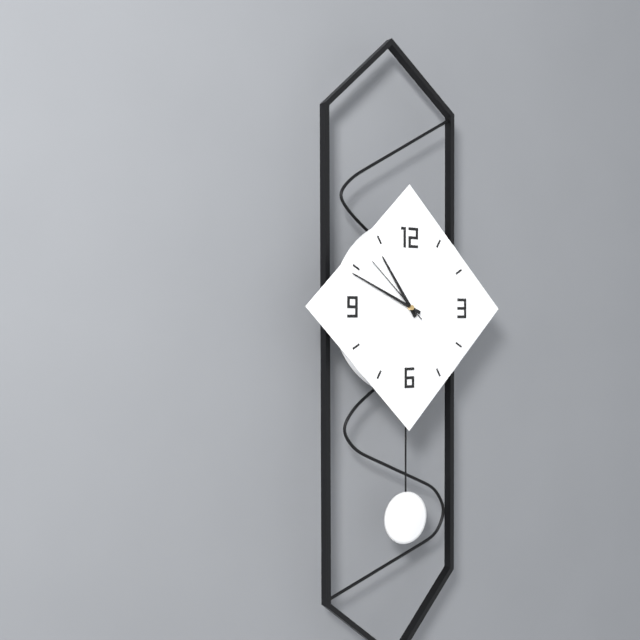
{"hour": 10, "minute": 49, "second": 52}
